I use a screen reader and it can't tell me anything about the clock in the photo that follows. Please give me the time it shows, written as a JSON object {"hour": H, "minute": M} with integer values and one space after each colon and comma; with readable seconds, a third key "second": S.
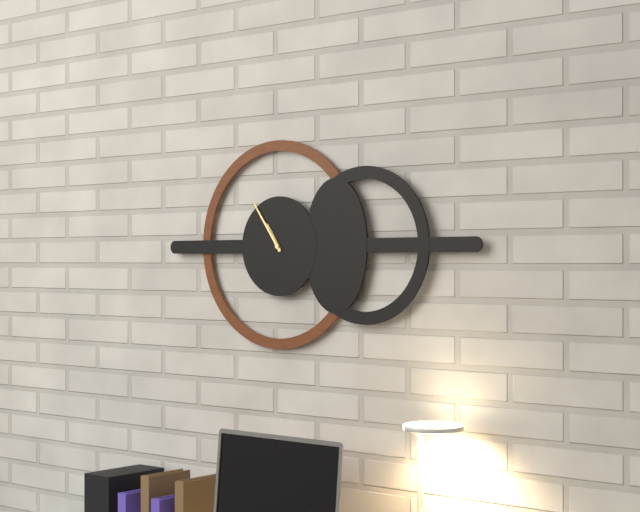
{"hour": 10, "minute": 54}
